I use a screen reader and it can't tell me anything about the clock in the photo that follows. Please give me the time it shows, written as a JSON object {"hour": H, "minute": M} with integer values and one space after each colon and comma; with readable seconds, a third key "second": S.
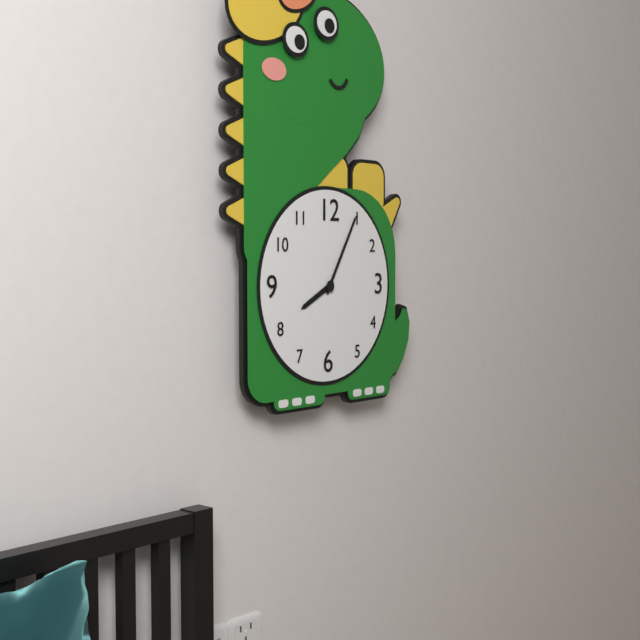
{"hour": 8, "minute": 5}
